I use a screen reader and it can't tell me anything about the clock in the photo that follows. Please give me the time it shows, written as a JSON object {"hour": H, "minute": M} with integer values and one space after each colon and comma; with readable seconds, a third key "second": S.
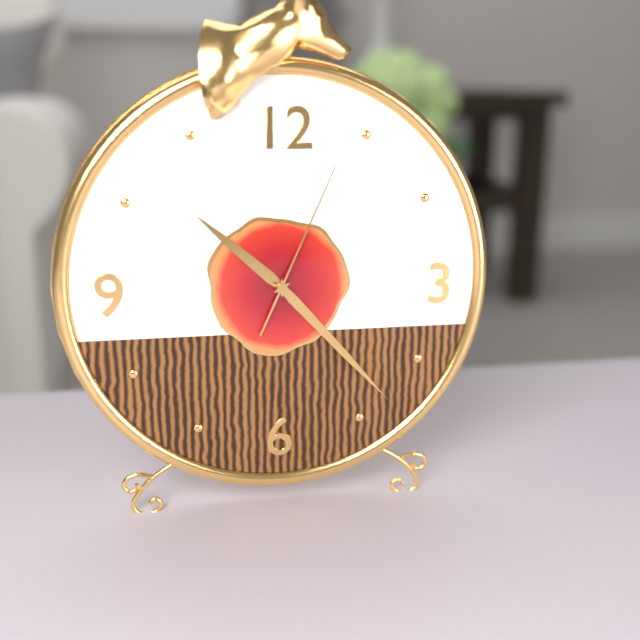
{"hour": 10, "minute": 23, "second": 4}
